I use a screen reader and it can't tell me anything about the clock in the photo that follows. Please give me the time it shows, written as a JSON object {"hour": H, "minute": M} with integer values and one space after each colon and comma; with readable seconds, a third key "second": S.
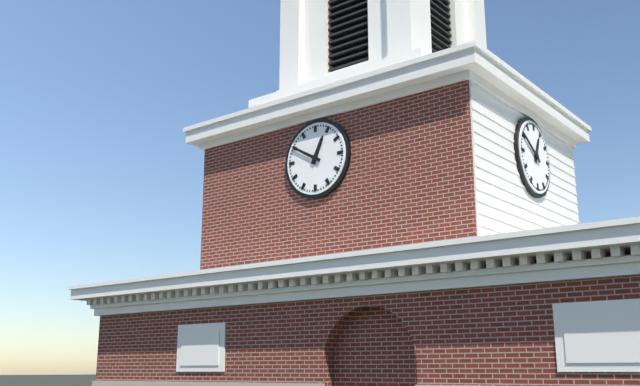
{"hour": 12, "minute": 50}
